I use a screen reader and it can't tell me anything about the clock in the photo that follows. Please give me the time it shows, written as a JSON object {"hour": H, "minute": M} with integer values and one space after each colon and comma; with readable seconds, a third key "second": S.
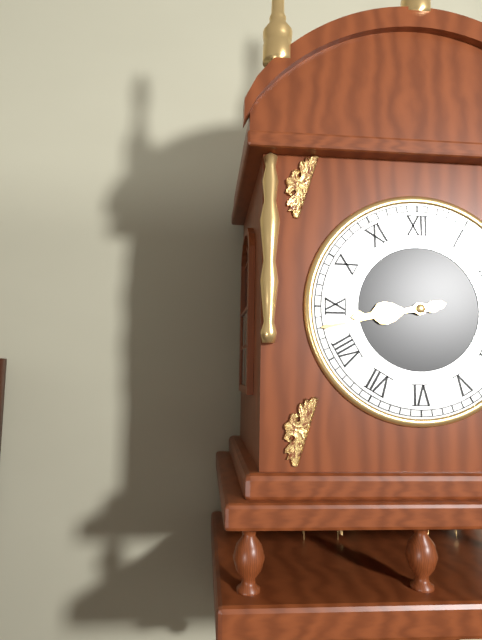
{"hour": 8, "minute": 43}
